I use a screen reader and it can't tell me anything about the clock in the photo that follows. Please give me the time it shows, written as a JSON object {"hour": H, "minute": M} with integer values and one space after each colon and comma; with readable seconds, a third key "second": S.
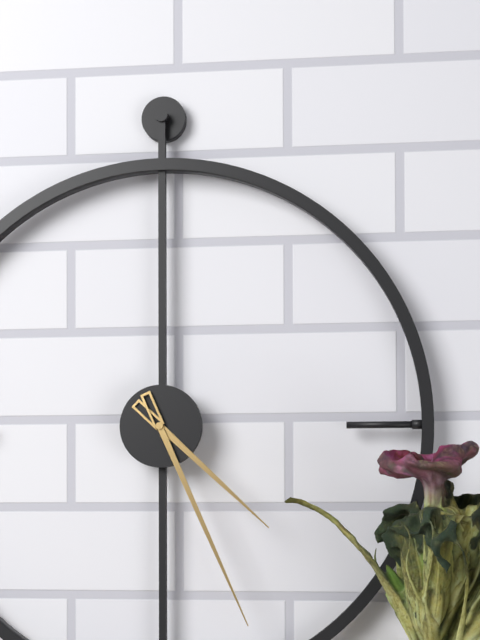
{"hour": 4, "minute": 26}
